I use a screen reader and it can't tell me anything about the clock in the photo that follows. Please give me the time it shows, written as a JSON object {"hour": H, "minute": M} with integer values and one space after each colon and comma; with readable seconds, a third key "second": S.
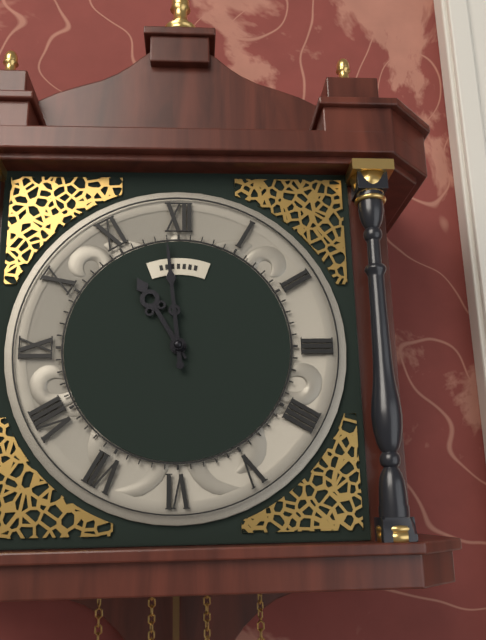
{"hour": 10, "minute": 59}
